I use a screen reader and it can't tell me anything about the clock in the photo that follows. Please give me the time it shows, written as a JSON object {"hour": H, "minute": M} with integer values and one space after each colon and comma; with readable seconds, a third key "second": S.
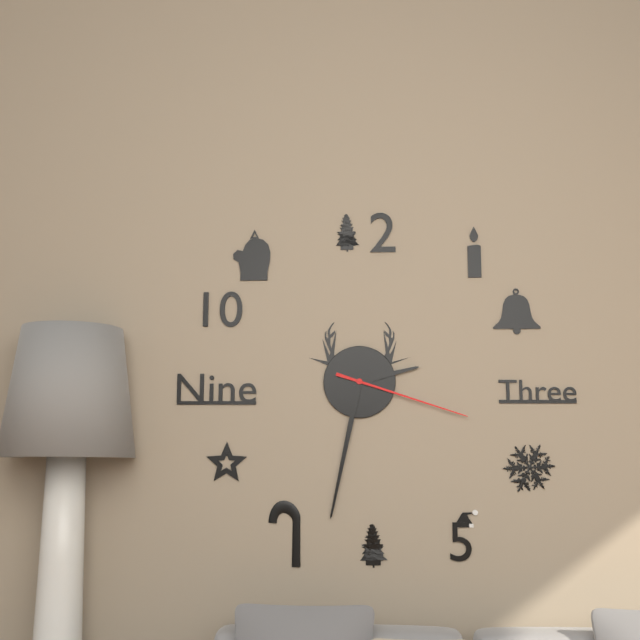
{"hour": 2, "minute": 32, "second": 18}
